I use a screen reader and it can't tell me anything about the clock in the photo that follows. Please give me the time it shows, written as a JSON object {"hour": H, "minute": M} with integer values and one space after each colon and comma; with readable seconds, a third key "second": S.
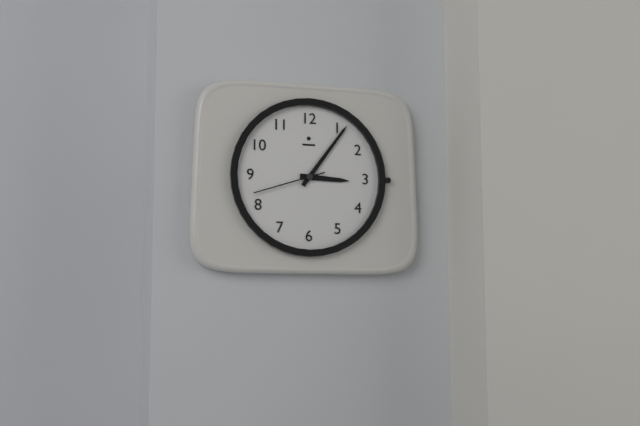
{"hour": 3, "minute": 6, "second": 42}
